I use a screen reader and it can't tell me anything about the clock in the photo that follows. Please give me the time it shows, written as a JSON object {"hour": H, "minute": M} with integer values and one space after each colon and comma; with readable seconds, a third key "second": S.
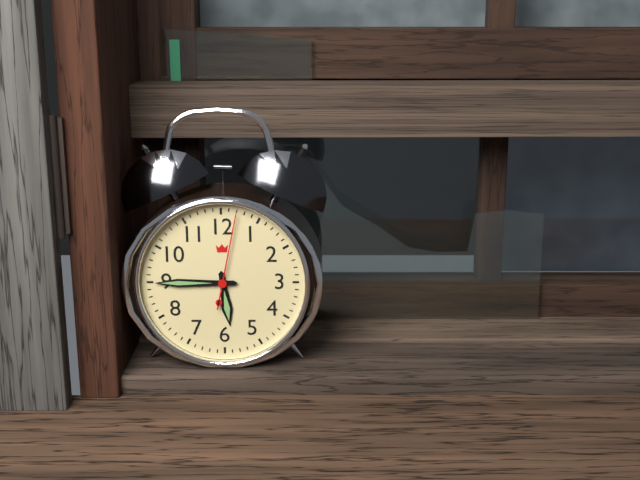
{"hour": 5, "minute": 45, "second": 2}
